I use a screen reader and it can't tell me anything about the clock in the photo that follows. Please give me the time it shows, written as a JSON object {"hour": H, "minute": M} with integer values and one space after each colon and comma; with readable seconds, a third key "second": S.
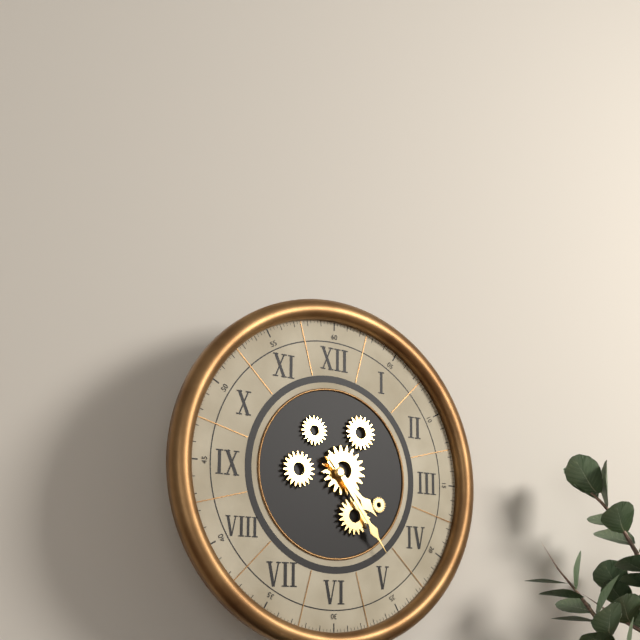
{"hour": 4, "minute": 24}
